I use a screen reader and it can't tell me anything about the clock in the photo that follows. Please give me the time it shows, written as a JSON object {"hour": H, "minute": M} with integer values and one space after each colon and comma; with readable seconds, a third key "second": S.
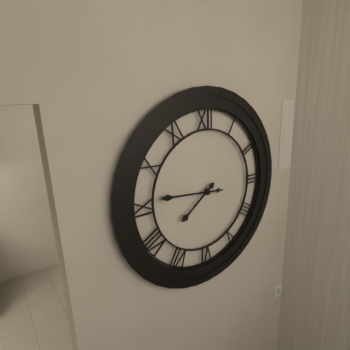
{"hour": 7, "minute": 46}
